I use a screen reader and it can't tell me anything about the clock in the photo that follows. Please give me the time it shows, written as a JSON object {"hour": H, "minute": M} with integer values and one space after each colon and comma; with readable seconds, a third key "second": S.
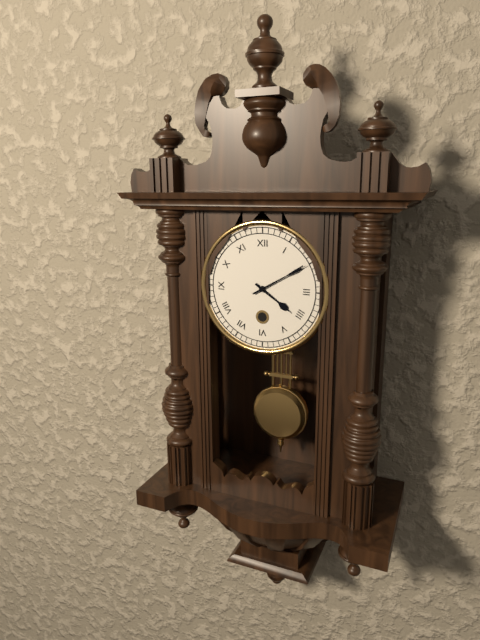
{"hour": 4, "minute": 10}
